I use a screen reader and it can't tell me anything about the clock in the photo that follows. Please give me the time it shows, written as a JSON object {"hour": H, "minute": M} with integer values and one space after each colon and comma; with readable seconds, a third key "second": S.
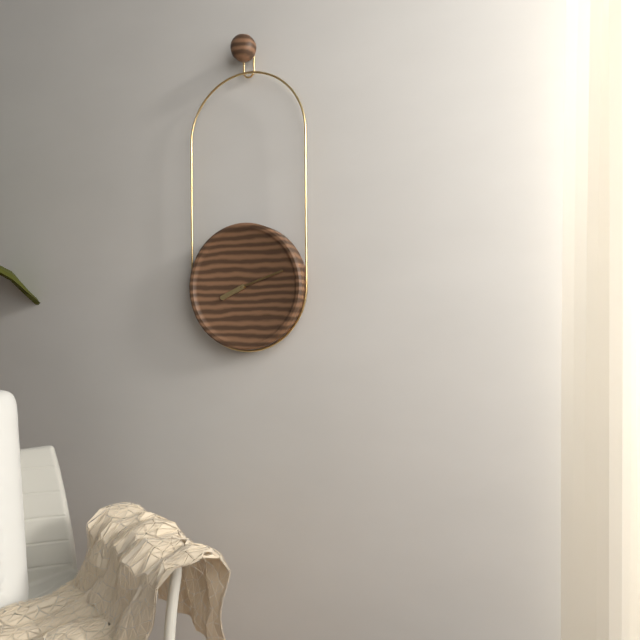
{"hour": 8, "minute": 12}
